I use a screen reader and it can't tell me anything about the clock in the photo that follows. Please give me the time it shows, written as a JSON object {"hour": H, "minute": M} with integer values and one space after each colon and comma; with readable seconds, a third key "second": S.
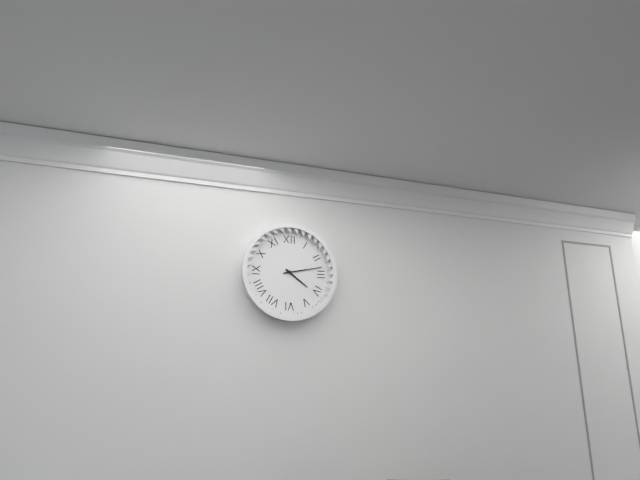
{"hour": 4, "minute": 13}
